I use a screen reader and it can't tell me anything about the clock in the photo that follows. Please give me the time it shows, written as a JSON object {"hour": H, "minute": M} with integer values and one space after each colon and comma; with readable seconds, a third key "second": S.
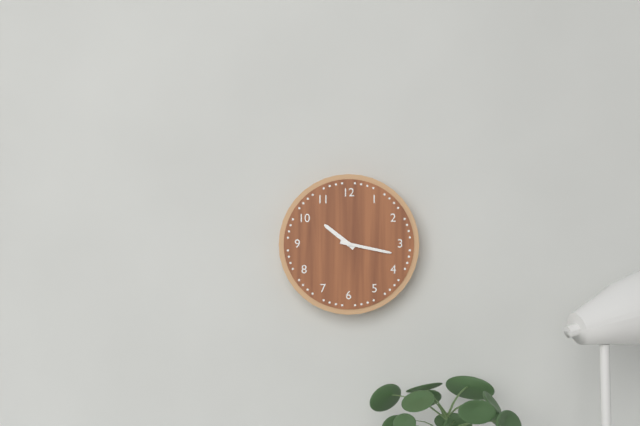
{"hour": 10, "minute": 17}
